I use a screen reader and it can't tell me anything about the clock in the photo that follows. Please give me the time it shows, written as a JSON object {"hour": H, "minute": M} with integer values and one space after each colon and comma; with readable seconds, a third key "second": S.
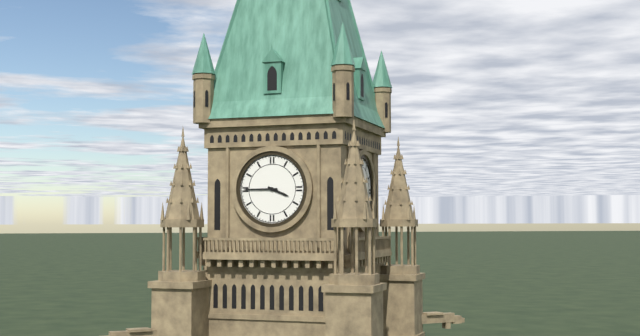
{"hour": 3, "minute": 45}
